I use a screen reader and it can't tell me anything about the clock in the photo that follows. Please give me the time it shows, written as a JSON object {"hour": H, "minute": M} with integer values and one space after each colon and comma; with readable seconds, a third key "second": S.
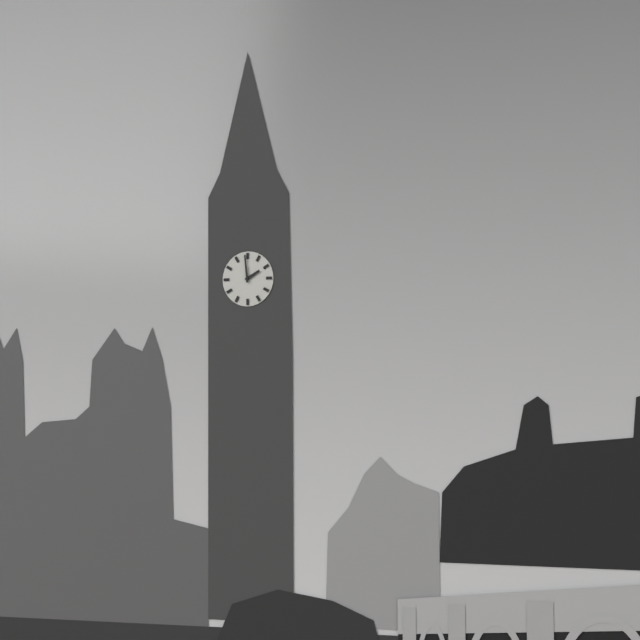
{"hour": 1, "minute": 59}
